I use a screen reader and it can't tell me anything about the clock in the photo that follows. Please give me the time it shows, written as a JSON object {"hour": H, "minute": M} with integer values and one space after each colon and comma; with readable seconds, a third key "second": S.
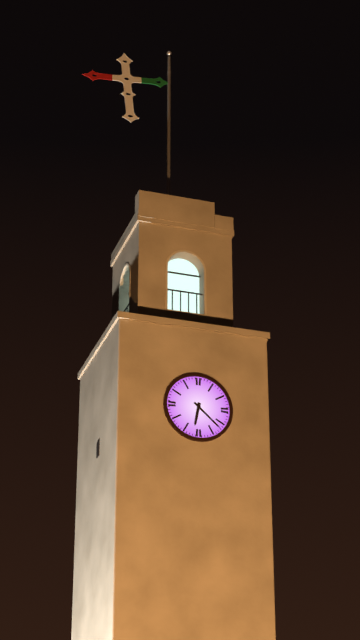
{"hour": 6, "minute": 22}
